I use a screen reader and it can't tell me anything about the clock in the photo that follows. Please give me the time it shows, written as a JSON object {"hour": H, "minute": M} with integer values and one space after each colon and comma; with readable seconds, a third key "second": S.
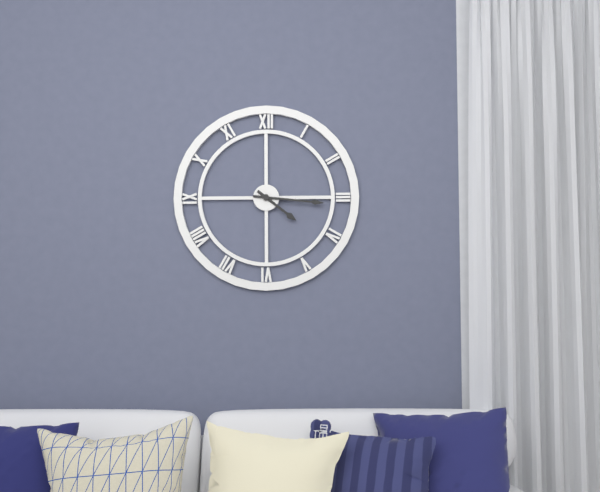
{"hour": 4, "minute": 16}
